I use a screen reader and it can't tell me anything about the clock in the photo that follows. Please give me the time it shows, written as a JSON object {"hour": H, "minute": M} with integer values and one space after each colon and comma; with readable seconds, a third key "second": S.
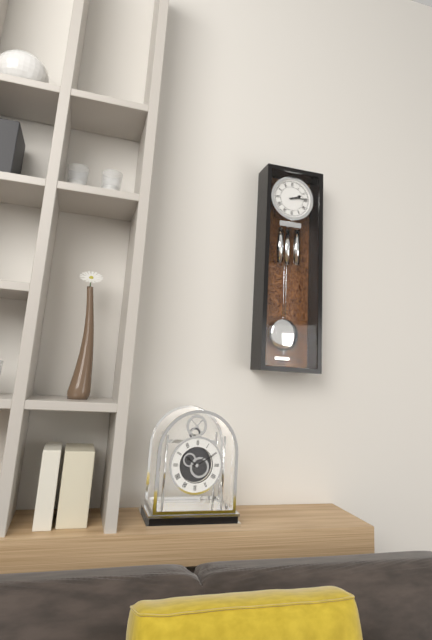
{"hour": 2, "minute": 14}
